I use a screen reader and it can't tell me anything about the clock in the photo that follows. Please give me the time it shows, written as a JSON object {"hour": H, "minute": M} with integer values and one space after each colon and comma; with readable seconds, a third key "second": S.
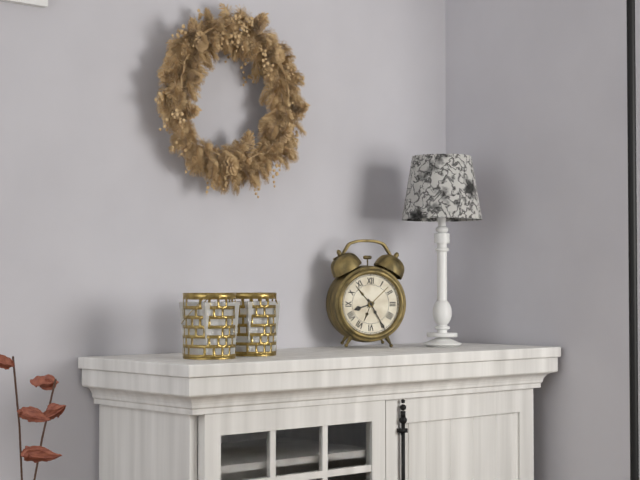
{"hour": 8, "minute": 25}
